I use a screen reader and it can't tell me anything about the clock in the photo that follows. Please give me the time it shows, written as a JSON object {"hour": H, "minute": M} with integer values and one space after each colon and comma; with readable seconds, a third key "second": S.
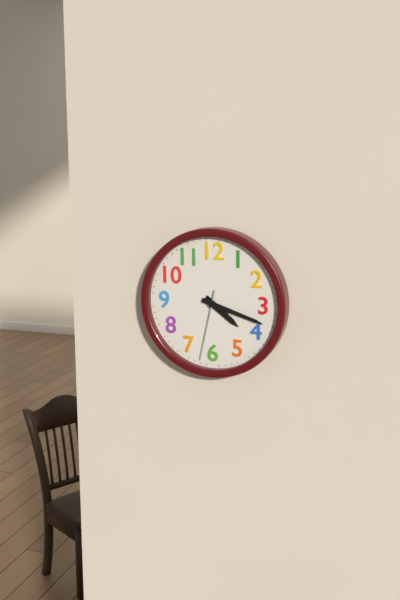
{"hour": 4, "minute": 18, "second": 32}
